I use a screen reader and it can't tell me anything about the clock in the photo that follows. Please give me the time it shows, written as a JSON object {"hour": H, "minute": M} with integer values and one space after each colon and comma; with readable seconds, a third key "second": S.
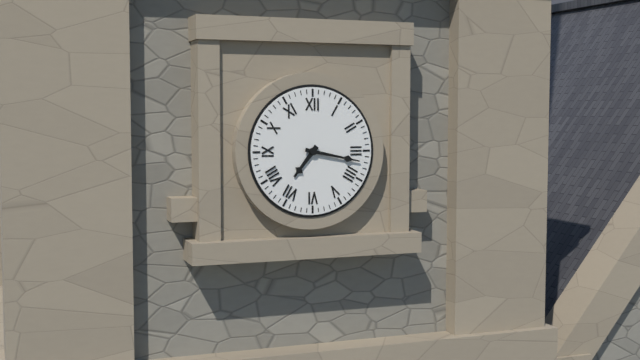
{"hour": 7, "minute": 17}
